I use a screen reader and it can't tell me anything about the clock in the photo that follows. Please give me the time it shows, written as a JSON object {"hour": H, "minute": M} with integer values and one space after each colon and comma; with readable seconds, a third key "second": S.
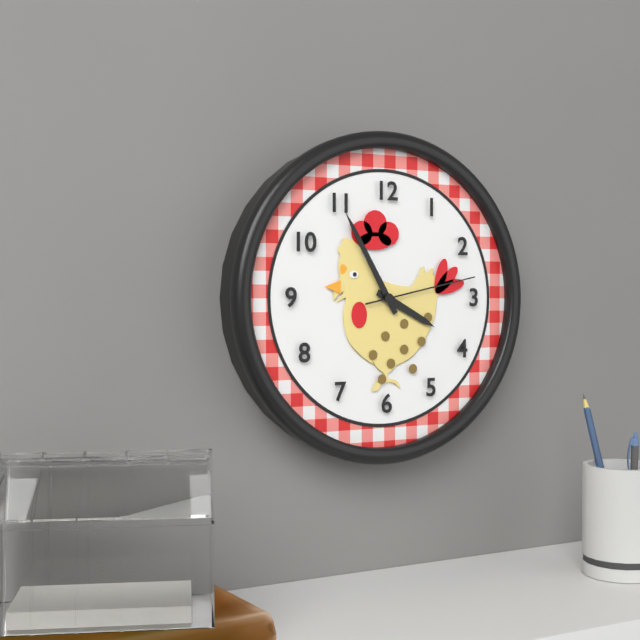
{"hour": 3, "minute": 55, "second": 13}
